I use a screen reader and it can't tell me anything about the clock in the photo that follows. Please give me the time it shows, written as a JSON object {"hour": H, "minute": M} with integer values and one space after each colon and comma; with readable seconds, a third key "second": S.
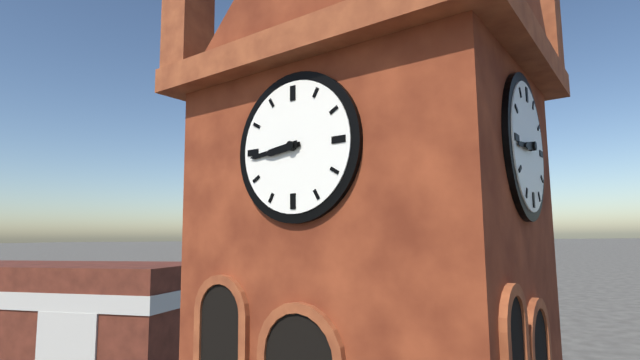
{"hour": 8, "minute": 44}
